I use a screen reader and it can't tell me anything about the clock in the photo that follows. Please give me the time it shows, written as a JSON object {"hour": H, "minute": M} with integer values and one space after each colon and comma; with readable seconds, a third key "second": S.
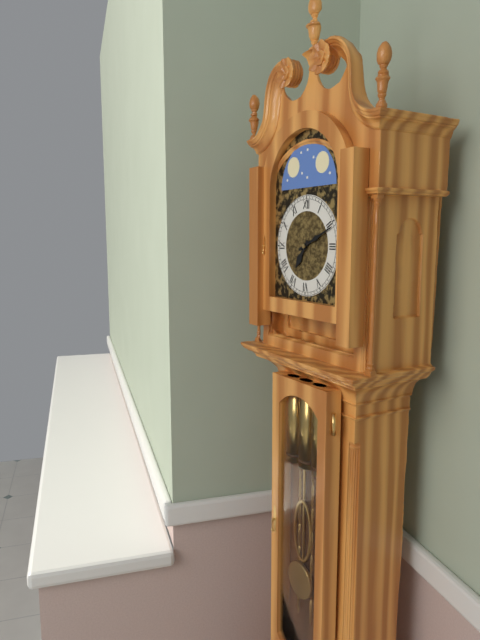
{"hour": 7, "minute": 11}
